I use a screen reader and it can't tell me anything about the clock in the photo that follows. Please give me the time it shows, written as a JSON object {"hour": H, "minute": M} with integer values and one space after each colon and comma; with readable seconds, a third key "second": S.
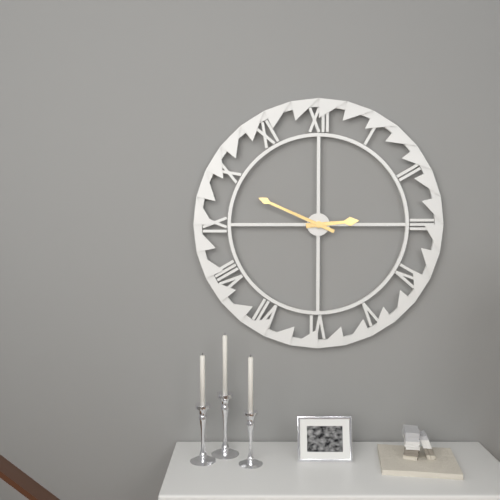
{"hour": 2, "minute": 49}
